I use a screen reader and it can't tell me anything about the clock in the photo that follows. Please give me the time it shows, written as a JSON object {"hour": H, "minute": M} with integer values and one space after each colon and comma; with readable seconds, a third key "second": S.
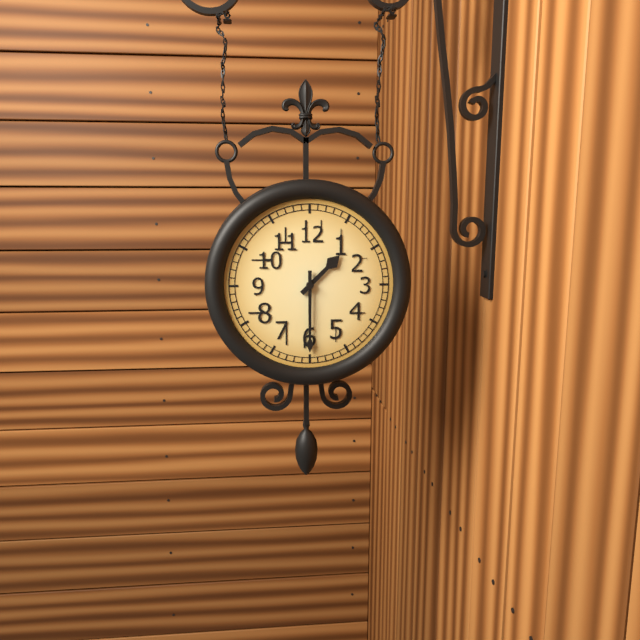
{"hour": 1, "minute": 30}
